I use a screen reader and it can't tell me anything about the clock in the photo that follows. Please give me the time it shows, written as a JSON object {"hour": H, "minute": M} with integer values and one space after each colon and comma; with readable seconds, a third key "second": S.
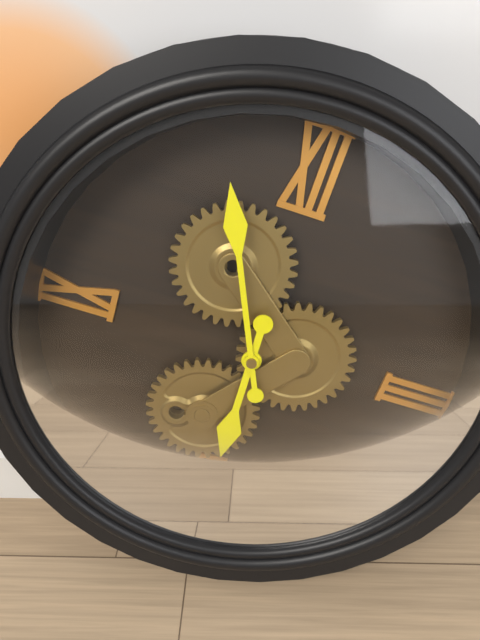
{"hour": 5, "minute": 56}
